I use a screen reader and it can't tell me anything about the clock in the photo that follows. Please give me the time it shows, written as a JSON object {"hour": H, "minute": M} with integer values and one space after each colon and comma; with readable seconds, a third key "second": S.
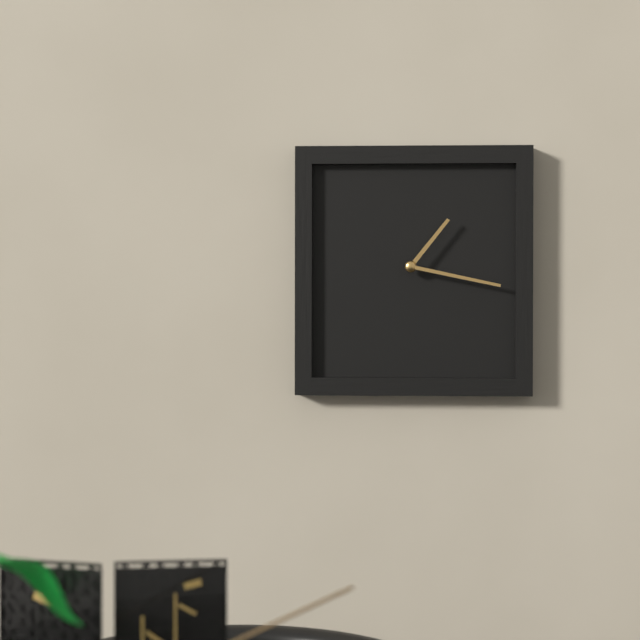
{"hour": 1, "minute": 17}
